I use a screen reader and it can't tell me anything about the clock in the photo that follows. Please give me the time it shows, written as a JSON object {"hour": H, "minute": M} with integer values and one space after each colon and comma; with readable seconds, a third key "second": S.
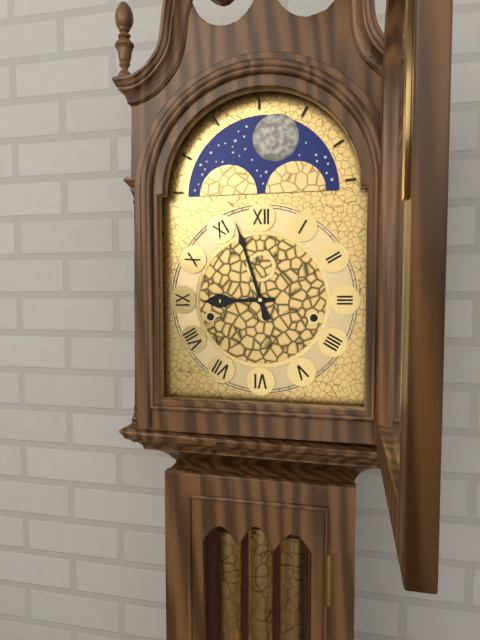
{"hour": 8, "minute": 57}
